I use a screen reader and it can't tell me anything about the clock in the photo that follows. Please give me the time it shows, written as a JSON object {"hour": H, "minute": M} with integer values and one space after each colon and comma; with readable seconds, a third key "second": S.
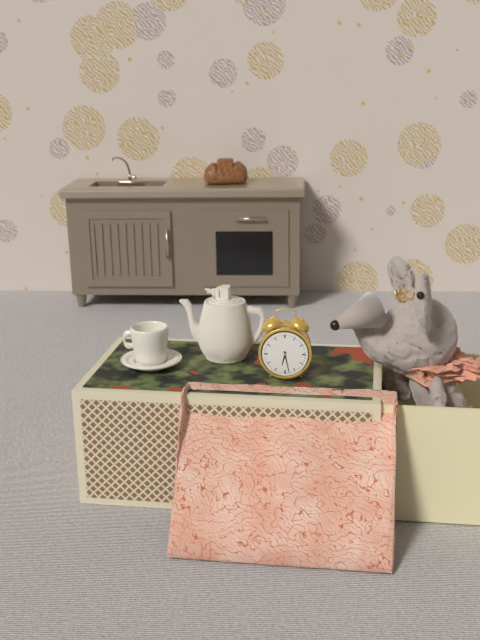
{"hour": 6, "minute": 28}
